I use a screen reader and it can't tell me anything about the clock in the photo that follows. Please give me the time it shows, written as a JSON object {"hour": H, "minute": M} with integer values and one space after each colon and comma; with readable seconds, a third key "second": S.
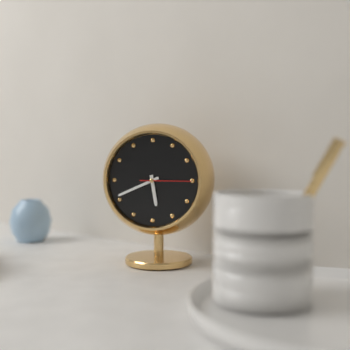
{"hour": 5, "minute": 41, "second": 15}
